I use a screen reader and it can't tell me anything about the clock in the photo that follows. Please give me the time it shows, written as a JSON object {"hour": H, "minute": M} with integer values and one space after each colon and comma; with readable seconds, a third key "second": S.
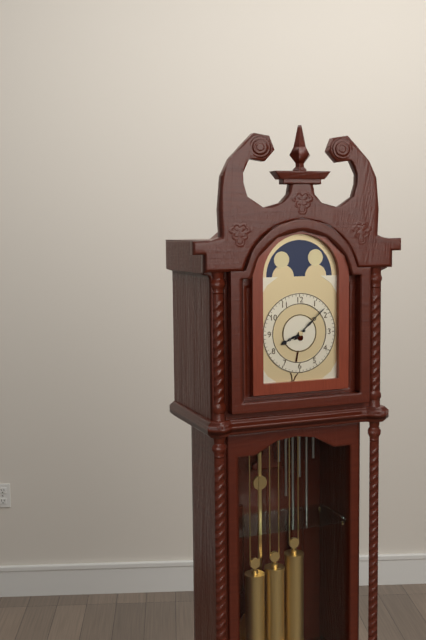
{"hour": 8, "minute": 8}
